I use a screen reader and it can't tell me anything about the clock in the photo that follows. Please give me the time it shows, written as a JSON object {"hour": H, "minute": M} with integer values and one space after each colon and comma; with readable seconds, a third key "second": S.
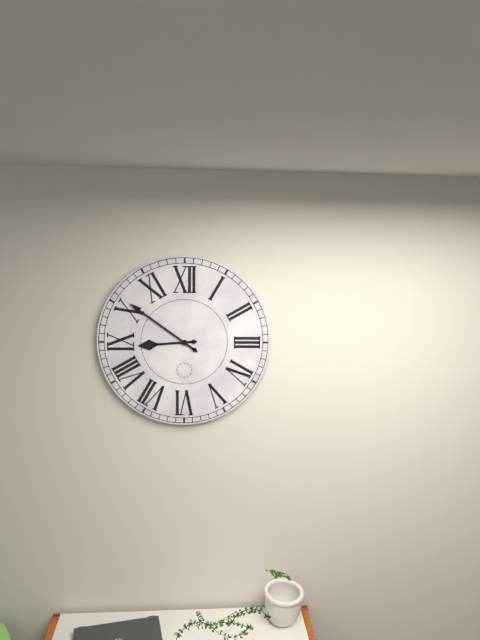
{"hour": 8, "minute": 51}
